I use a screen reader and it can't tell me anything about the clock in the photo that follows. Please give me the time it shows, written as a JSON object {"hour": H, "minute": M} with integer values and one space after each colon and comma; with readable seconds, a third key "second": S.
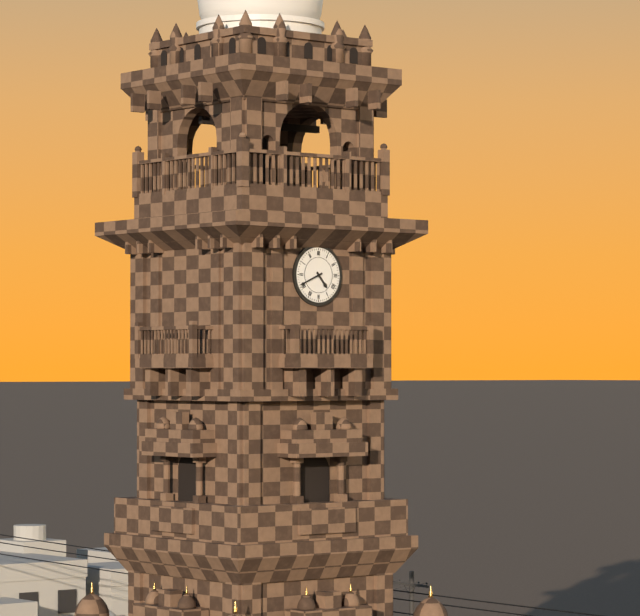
{"hour": 4, "minute": 41}
